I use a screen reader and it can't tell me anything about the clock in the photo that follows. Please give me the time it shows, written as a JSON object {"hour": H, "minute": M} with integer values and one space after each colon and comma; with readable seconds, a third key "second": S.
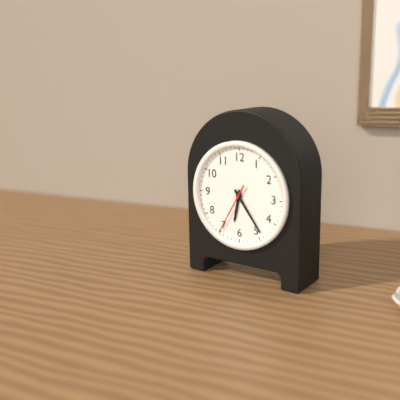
{"hour": 6, "minute": 24, "second": 35}
